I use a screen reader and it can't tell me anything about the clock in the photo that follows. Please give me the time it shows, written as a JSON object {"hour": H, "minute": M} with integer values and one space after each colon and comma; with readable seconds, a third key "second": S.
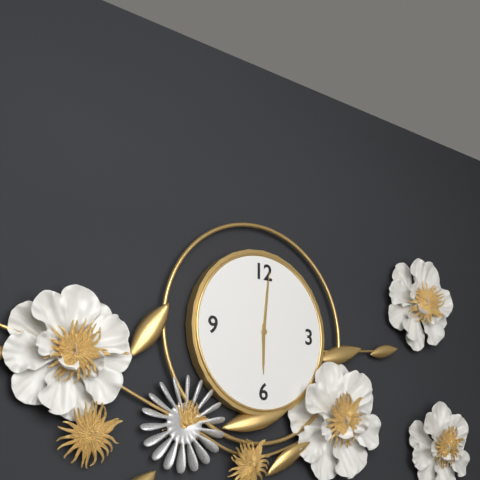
{"hour": 6, "minute": 1}
